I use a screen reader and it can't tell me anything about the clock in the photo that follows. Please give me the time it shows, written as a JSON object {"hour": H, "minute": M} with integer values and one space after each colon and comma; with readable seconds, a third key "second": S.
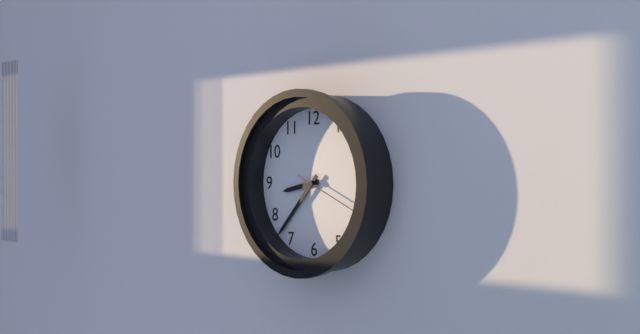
{"hour": 8, "minute": 37, "second": 19}
